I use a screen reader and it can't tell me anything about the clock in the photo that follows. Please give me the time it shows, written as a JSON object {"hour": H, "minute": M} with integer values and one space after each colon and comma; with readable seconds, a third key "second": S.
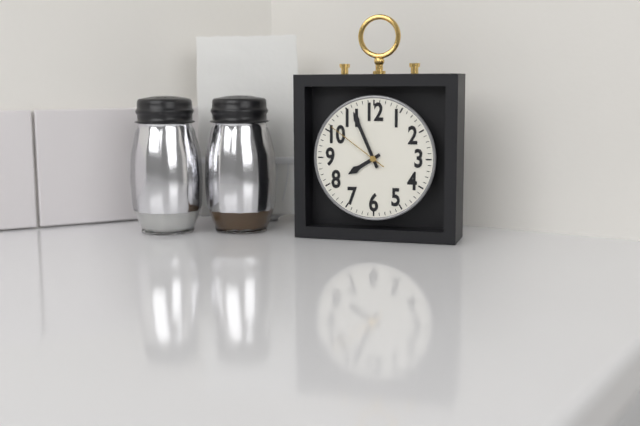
{"hour": 7, "minute": 56, "second": 51}
